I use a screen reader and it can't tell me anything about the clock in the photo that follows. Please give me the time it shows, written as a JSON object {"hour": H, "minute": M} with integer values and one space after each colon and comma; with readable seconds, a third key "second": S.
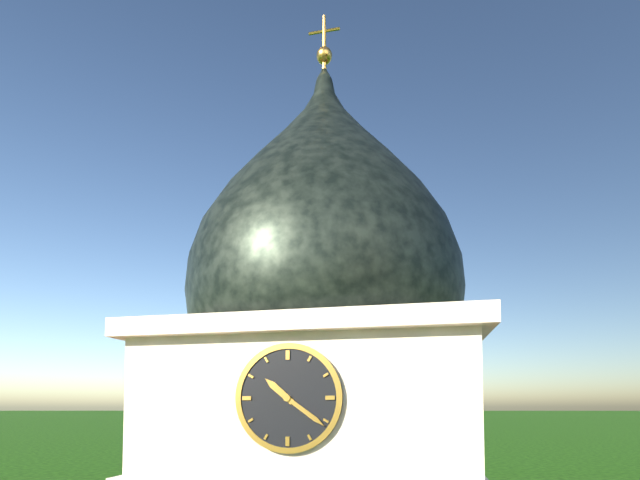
{"hour": 10, "minute": 21}
